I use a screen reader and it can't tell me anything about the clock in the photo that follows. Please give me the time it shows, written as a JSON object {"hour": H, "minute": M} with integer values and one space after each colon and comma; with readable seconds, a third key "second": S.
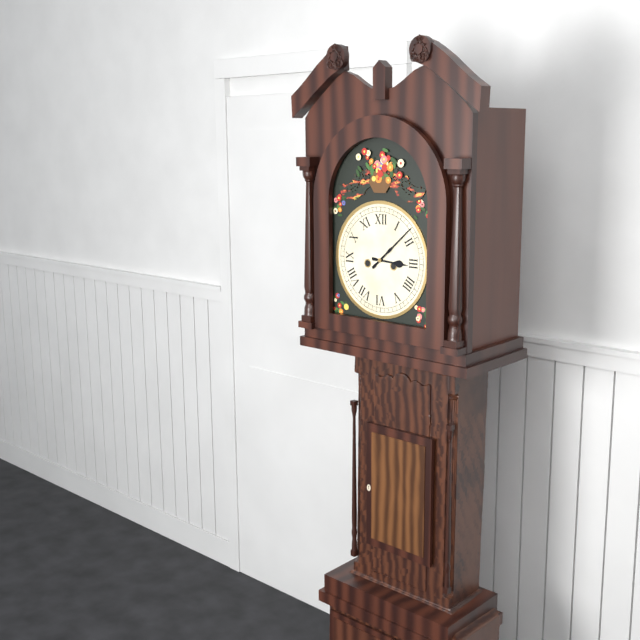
{"hour": 3, "minute": 8}
